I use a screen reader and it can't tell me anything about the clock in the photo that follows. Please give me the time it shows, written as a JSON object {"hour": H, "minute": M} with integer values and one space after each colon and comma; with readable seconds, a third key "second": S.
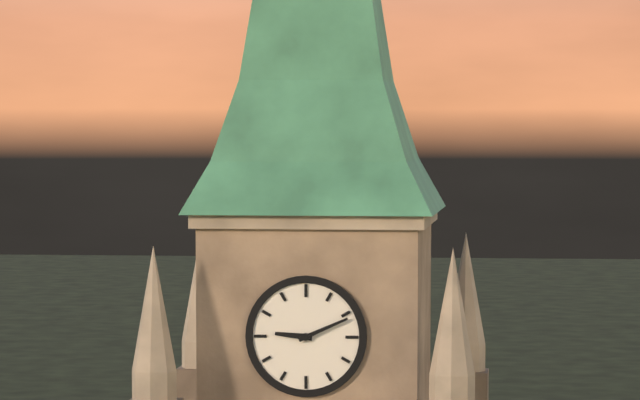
{"hour": 9, "minute": 11}
